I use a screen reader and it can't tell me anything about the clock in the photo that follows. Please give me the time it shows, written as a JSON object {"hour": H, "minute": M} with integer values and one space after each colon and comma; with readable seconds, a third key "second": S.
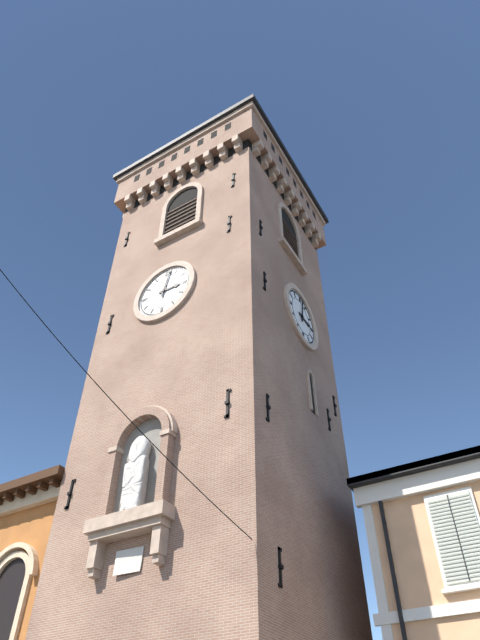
{"hour": 3, "minute": 2}
